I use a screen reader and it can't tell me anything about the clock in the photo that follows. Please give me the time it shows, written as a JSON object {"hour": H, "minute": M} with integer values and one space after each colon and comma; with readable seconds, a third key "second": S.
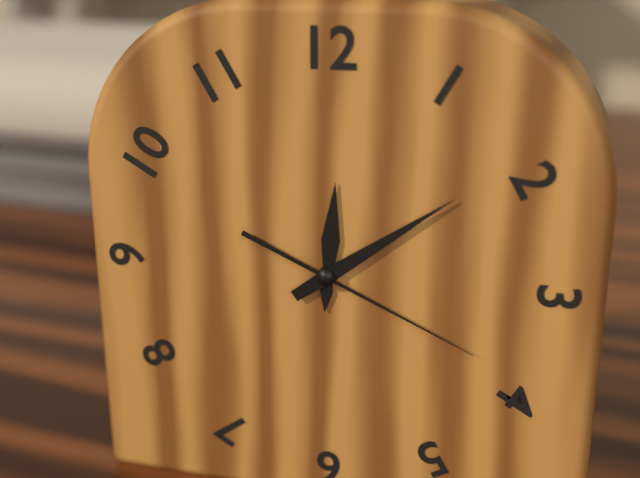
{"hour": 12, "minute": 9, "second": 19}
